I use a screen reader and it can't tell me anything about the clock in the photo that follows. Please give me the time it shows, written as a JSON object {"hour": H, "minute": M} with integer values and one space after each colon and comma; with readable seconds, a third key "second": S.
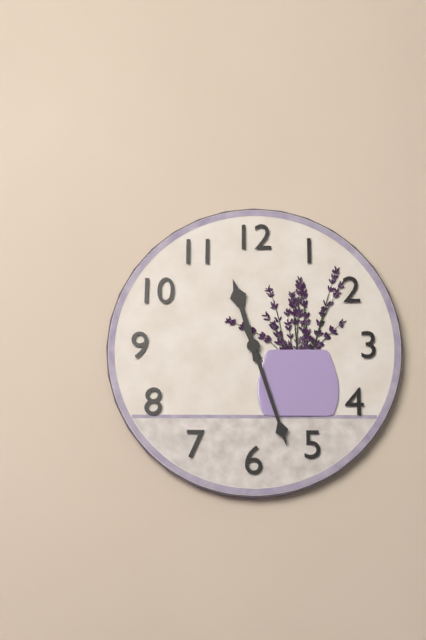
{"hour": 11, "minute": 27}
